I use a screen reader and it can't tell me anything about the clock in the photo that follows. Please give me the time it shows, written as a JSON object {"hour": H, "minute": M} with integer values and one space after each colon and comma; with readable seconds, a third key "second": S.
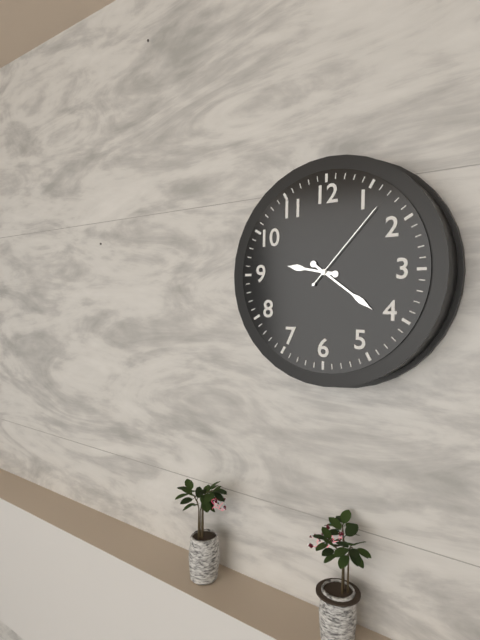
{"hour": 9, "minute": 21, "second": 7}
